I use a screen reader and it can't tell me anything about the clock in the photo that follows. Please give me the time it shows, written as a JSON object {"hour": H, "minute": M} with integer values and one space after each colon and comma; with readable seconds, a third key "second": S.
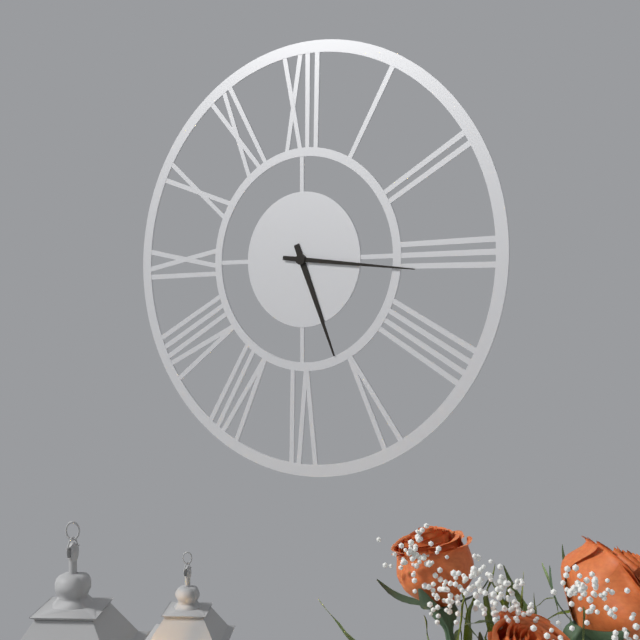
{"hour": 5, "minute": 16}
